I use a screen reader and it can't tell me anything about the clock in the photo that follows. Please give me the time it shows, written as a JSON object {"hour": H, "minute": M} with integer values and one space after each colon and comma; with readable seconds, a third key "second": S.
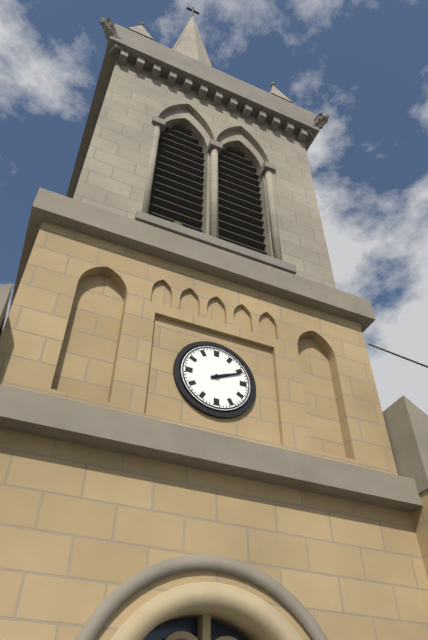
{"hour": 2, "minute": 11}
